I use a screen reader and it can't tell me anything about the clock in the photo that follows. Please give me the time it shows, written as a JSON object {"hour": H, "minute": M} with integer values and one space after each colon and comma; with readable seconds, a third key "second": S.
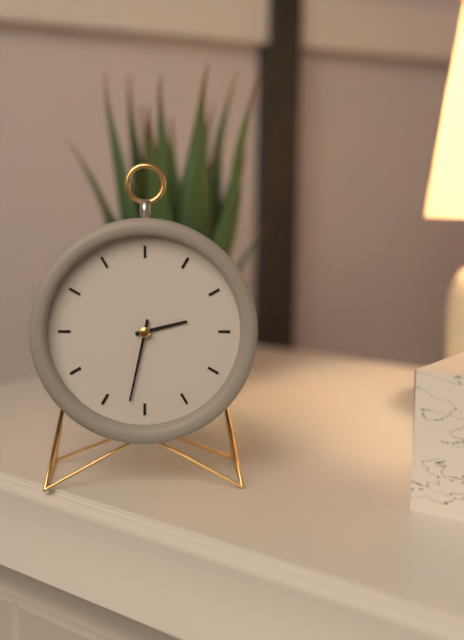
{"hour": 2, "minute": 32}
